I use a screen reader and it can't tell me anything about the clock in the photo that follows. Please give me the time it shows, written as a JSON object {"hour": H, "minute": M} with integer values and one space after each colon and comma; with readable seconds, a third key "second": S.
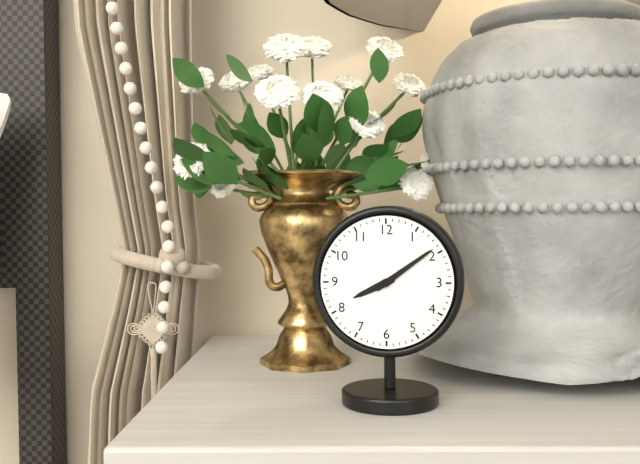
{"hour": 8, "minute": 9}
